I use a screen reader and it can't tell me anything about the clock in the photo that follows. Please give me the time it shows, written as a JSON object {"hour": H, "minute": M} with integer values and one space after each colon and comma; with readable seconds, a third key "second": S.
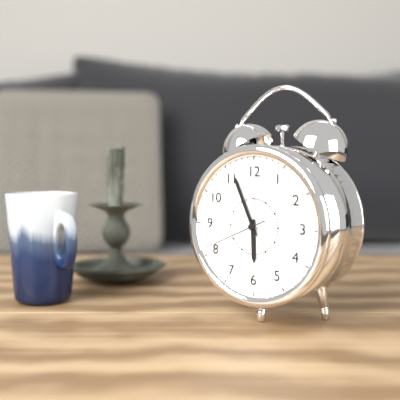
{"hour": 5, "minute": 56, "second": 41}
